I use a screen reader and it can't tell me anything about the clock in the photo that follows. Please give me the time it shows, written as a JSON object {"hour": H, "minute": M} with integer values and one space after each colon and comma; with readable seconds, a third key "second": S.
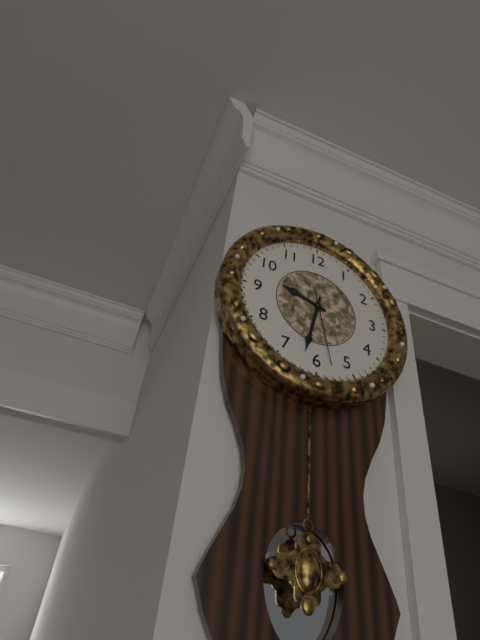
{"hour": 9, "minute": 32, "second": 28}
